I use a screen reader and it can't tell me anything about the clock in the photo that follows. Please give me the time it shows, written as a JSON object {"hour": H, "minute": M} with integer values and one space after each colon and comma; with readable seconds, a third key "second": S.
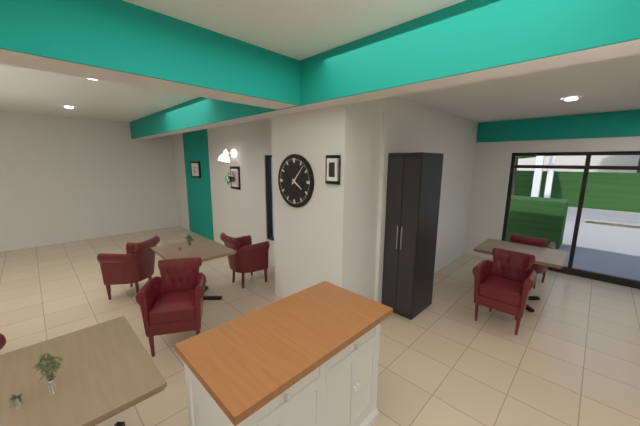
{"hour": 4, "minute": 7}
